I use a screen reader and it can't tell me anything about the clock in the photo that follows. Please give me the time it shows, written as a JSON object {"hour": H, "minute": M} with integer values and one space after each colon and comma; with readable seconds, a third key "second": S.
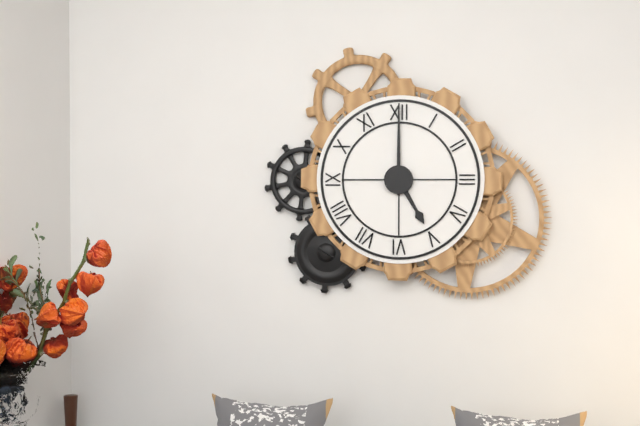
{"hour": 5, "minute": 0}
